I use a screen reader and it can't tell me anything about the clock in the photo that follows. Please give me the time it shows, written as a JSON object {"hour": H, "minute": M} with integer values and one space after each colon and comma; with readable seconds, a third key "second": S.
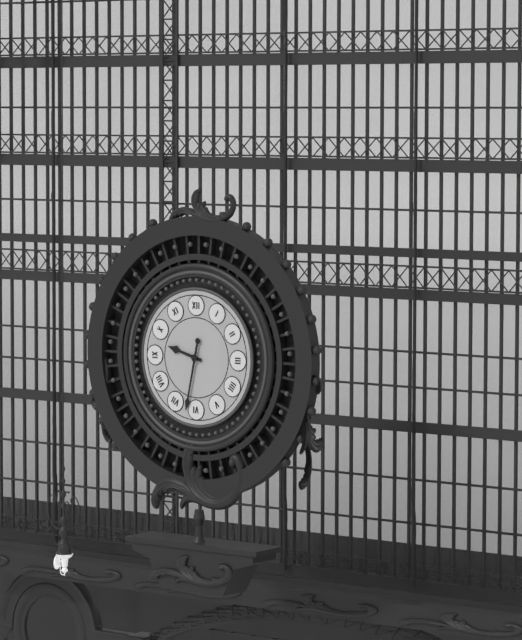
{"hour": 9, "minute": 32}
